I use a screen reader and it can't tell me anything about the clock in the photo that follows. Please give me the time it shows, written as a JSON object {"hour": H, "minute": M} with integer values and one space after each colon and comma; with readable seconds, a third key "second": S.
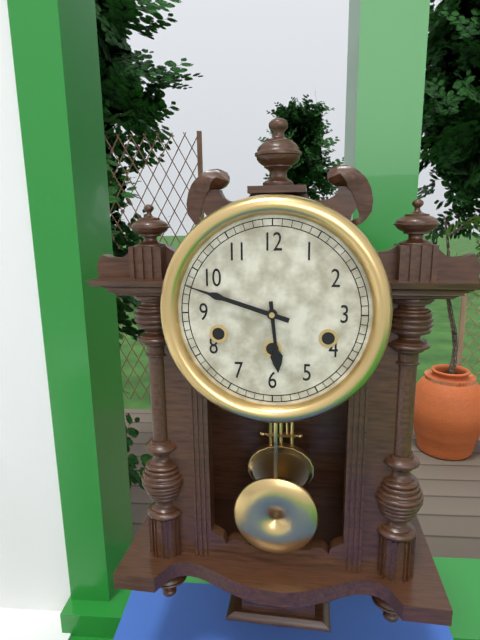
{"hour": 5, "minute": 48}
